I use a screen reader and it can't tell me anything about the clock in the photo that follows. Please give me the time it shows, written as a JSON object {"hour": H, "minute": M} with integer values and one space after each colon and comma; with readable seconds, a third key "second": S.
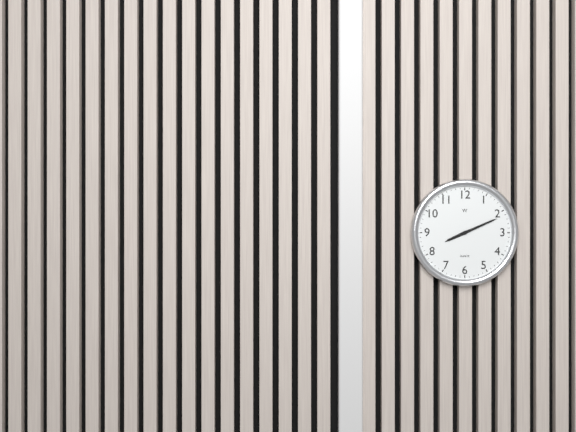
{"hour": 8, "minute": 11}
